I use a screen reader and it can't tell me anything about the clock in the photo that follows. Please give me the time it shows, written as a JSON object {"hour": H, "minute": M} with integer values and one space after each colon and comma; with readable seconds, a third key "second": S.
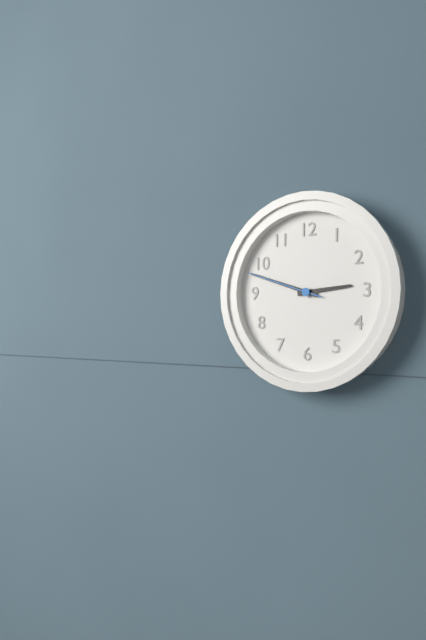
{"hour": 2, "minute": 48, "second": 48}
